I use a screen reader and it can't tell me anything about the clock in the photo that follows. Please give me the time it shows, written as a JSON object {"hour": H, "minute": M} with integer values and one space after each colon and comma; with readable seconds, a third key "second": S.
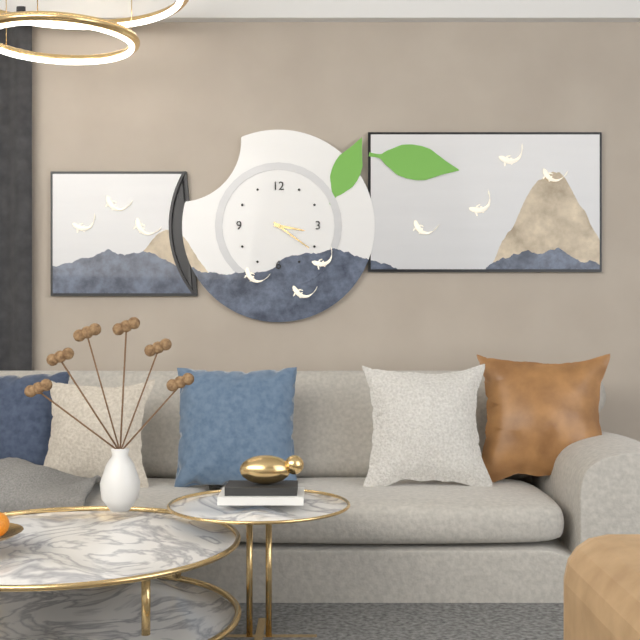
{"hour": 3, "minute": 21}
